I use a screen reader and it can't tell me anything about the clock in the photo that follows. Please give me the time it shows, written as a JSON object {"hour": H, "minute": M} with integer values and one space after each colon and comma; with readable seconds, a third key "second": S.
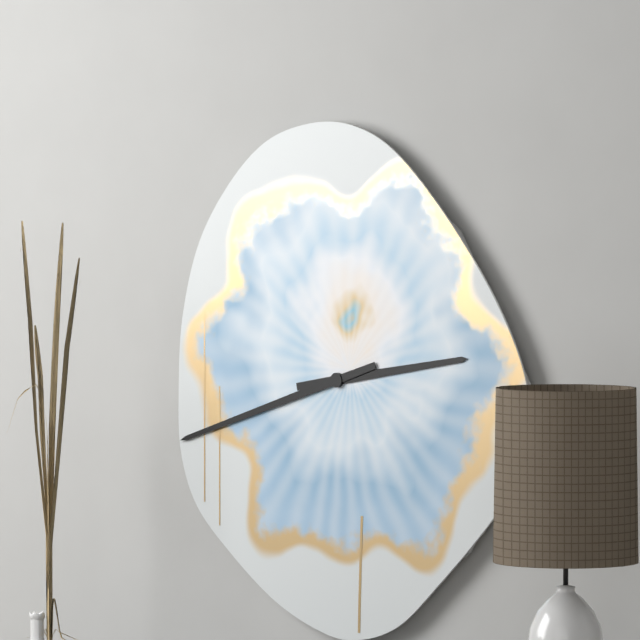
{"hour": 2, "minute": 42}
